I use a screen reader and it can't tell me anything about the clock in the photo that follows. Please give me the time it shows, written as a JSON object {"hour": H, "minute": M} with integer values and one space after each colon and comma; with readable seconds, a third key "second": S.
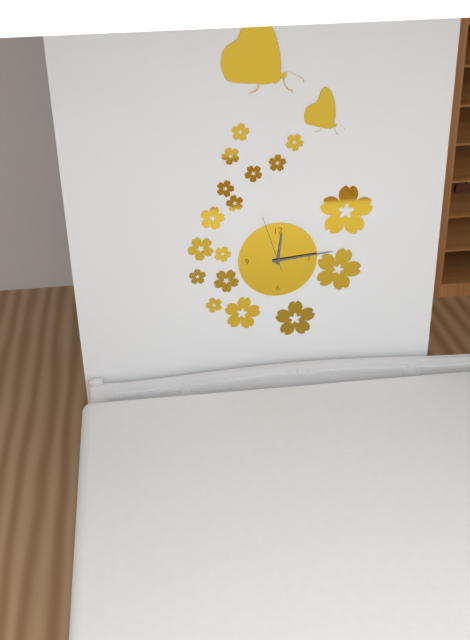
{"hour": 12, "minute": 14, "second": 57}
